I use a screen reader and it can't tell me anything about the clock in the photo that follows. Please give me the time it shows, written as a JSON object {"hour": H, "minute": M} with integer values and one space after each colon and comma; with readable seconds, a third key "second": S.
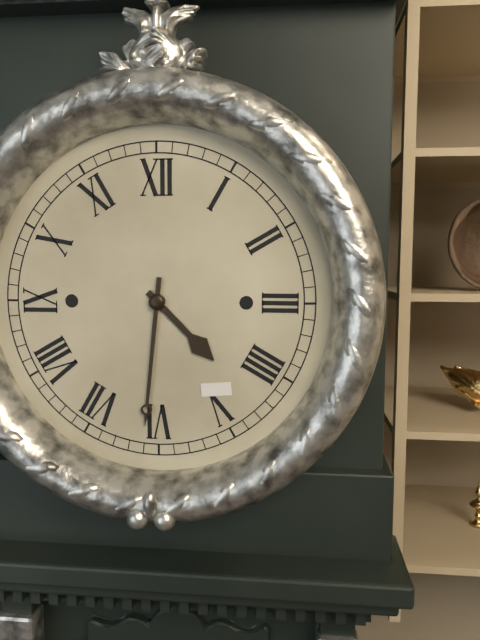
{"hour": 4, "minute": 31}
